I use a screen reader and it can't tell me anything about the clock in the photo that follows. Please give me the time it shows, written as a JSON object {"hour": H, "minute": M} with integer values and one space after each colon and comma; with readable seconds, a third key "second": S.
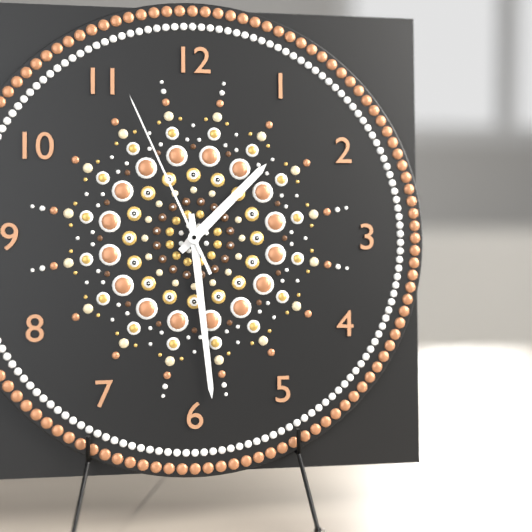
{"hour": 1, "minute": 29, "second": 56}
